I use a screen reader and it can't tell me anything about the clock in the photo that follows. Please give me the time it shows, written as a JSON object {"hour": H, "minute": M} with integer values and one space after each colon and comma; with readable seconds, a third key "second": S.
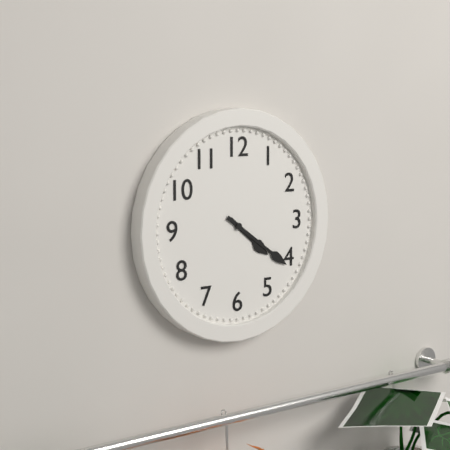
{"hour": 4, "minute": 21}
